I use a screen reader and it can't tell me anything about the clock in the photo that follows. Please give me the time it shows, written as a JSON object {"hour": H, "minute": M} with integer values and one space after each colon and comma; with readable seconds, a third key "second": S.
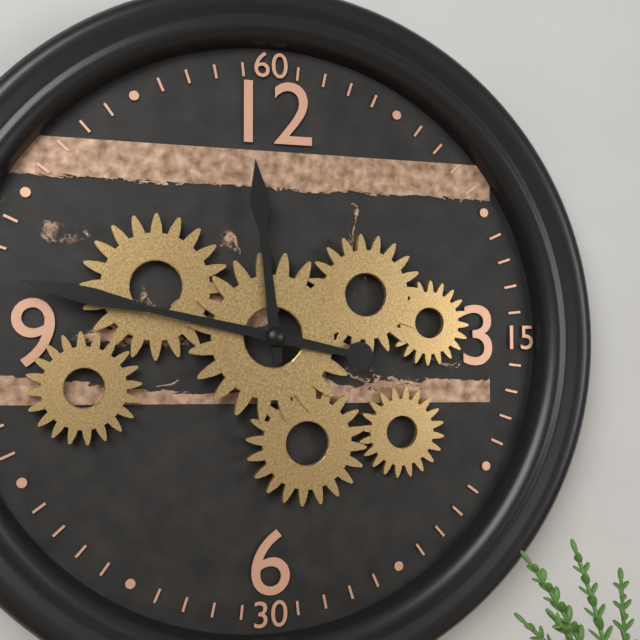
{"hour": 11, "minute": 47}
